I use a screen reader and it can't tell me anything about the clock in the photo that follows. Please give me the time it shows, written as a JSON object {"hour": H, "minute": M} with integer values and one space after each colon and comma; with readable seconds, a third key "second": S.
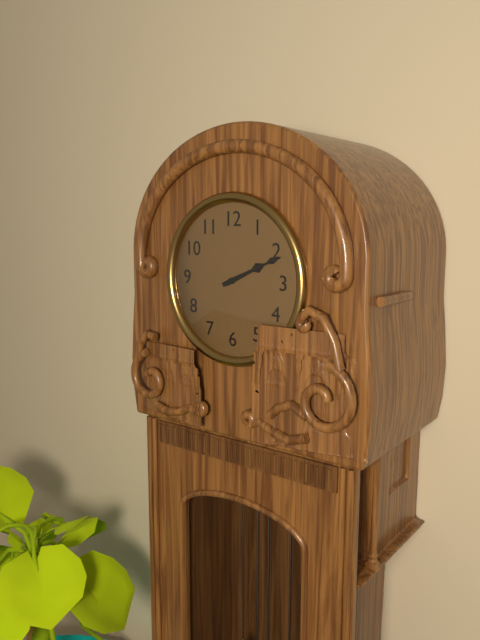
{"hour": 2, "minute": 11}
